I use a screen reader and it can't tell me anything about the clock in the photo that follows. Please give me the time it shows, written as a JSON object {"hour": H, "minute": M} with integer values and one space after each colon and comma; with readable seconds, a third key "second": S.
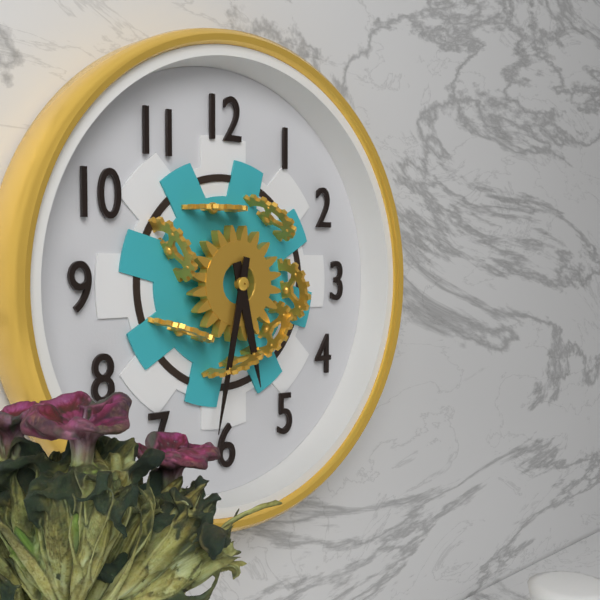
{"hour": 5, "minute": 32}
